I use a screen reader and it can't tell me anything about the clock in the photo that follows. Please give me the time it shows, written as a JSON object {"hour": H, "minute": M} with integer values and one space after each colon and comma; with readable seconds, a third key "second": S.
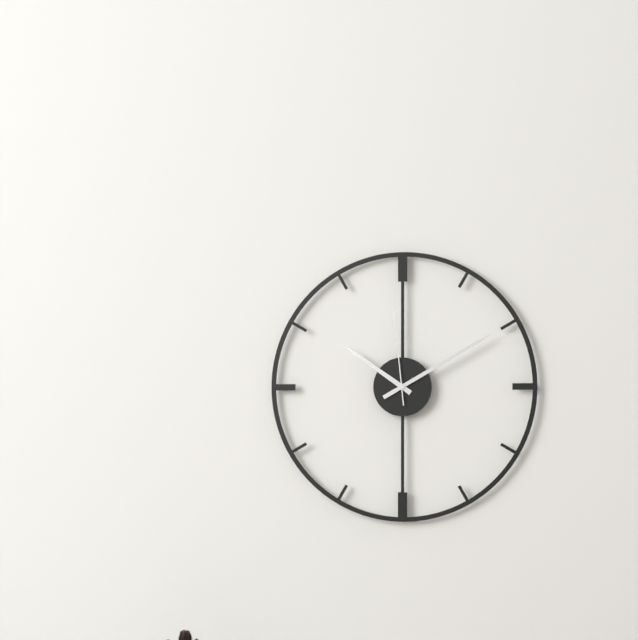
{"hour": 10, "minute": 10, "second": 59}
